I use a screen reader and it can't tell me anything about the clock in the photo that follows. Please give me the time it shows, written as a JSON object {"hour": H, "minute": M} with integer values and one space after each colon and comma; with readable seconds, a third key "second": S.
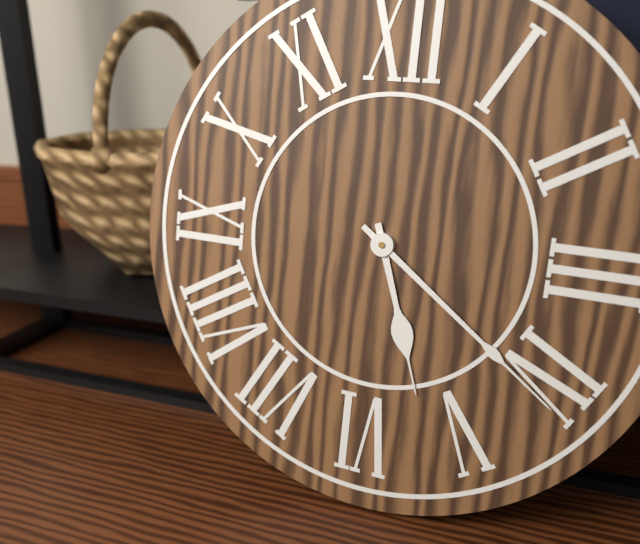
{"hour": 5, "minute": 21}
